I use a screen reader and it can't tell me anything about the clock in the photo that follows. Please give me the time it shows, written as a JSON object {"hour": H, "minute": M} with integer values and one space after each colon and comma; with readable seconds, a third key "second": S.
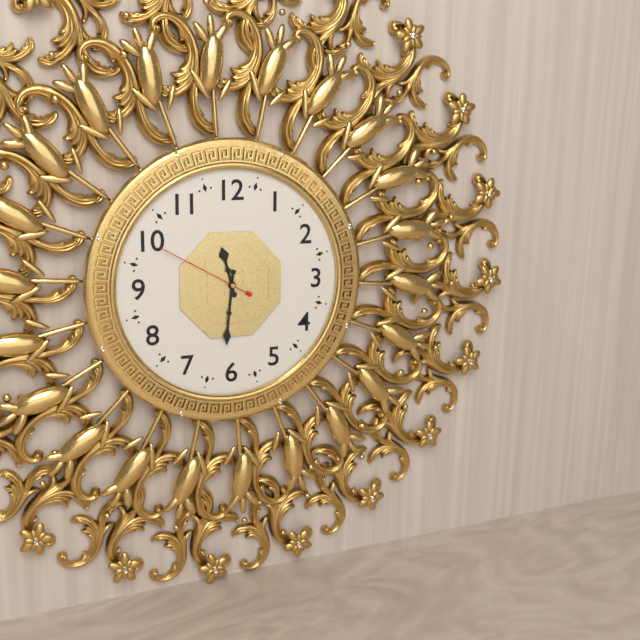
{"hour": 11, "minute": 31, "second": 50}
